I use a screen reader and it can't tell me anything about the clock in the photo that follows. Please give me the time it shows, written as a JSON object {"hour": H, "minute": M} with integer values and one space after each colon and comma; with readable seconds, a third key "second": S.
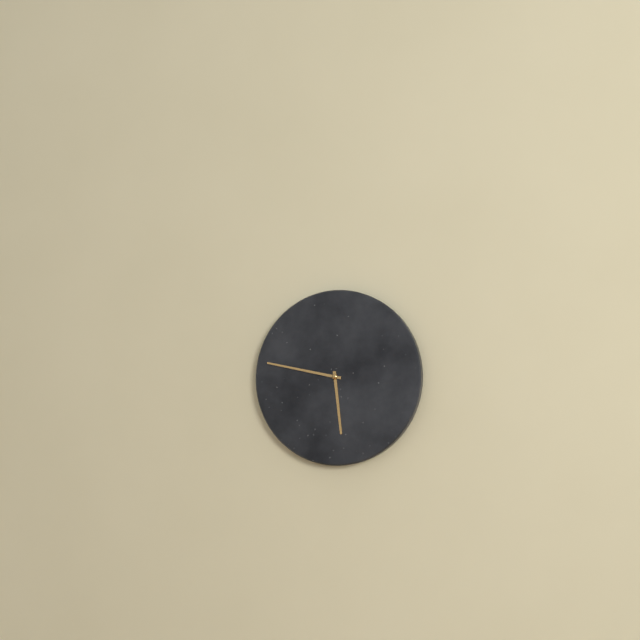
{"hour": 5, "minute": 47}
